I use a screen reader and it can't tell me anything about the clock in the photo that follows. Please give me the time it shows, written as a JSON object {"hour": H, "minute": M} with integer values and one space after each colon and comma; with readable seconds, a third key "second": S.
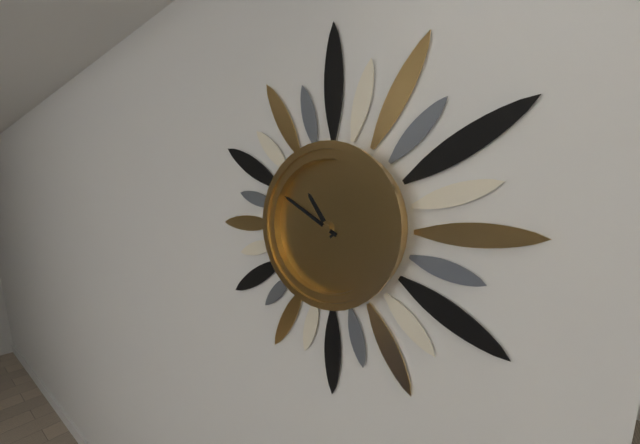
{"hour": 10, "minute": 50}
